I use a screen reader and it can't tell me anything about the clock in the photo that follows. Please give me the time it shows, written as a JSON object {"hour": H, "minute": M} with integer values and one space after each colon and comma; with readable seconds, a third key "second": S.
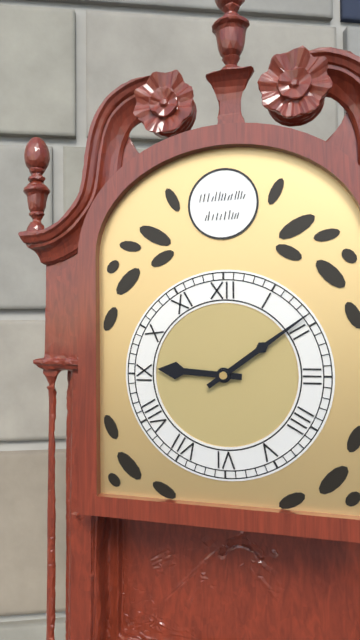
{"hour": 9, "minute": 9}
